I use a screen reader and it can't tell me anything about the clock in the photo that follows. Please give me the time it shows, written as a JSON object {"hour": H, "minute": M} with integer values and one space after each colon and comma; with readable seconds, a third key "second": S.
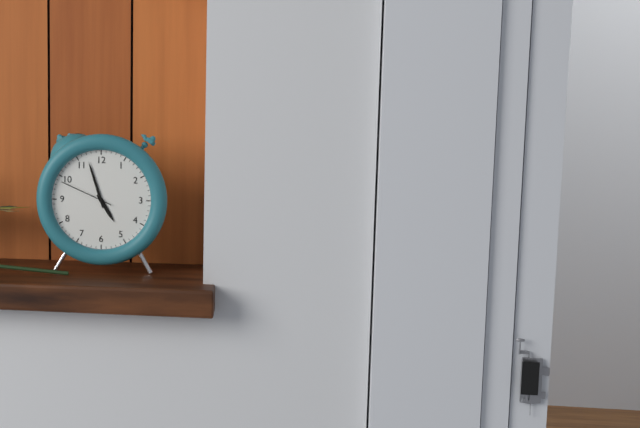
{"hour": 4, "minute": 57, "second": 49}
